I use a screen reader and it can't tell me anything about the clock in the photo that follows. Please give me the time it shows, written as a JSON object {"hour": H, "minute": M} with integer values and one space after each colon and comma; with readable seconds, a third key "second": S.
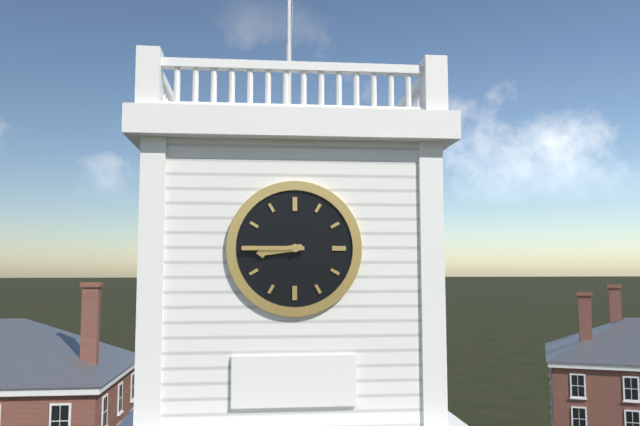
{"hour": 8, "minute": 45}
